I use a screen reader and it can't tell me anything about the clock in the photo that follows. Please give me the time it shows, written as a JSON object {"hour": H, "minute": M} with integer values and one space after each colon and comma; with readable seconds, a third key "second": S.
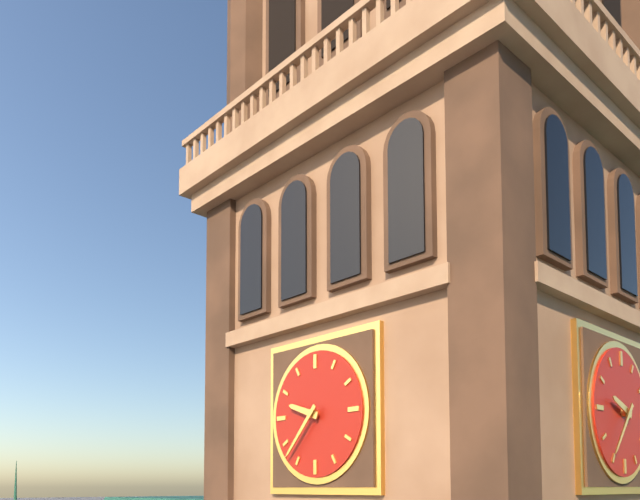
{"hour": 9, "minute": 37}
